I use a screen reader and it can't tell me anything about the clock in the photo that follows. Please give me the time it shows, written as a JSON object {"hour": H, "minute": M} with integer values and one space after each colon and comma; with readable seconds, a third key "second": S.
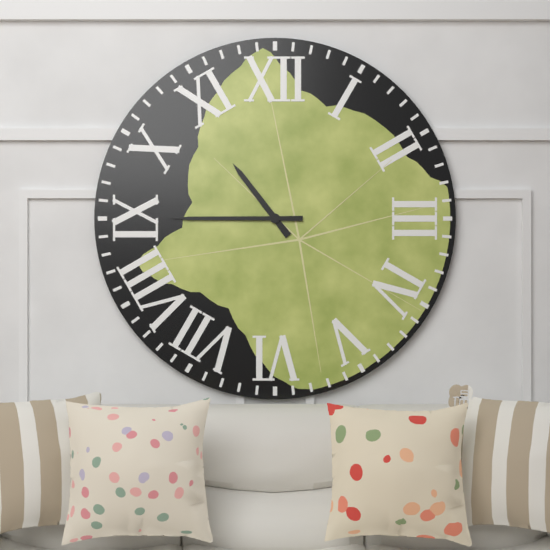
{"hour": 10, "minute": 45}
